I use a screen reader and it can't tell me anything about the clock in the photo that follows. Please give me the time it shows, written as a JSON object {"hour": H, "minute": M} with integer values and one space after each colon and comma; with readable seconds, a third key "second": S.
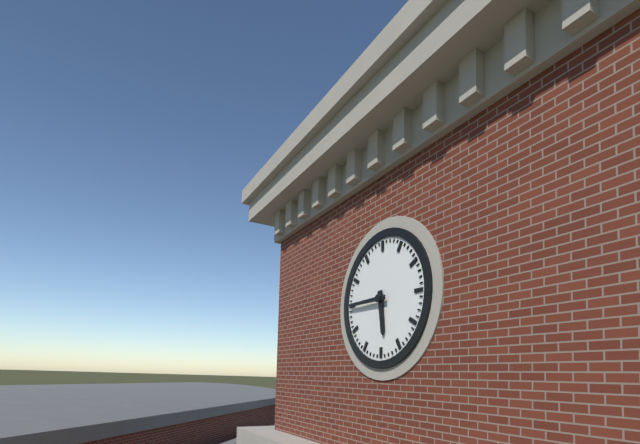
{"hour": 5, "minute": 45}
